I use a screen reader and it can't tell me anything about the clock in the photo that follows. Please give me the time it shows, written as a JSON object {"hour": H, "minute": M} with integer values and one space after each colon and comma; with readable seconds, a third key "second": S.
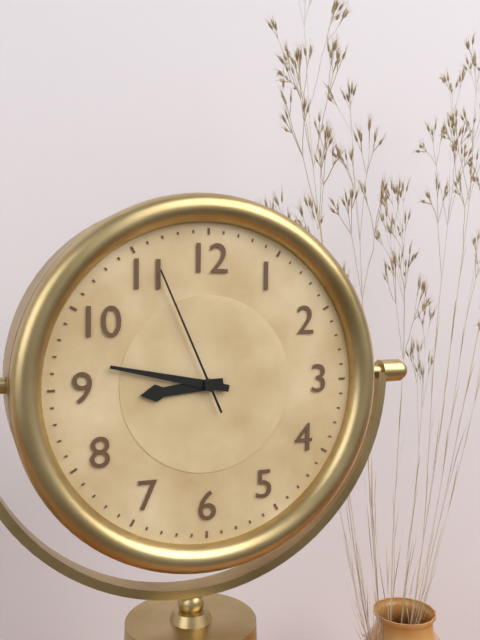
{"hour": 8, "minute": 47, "second": 56}
